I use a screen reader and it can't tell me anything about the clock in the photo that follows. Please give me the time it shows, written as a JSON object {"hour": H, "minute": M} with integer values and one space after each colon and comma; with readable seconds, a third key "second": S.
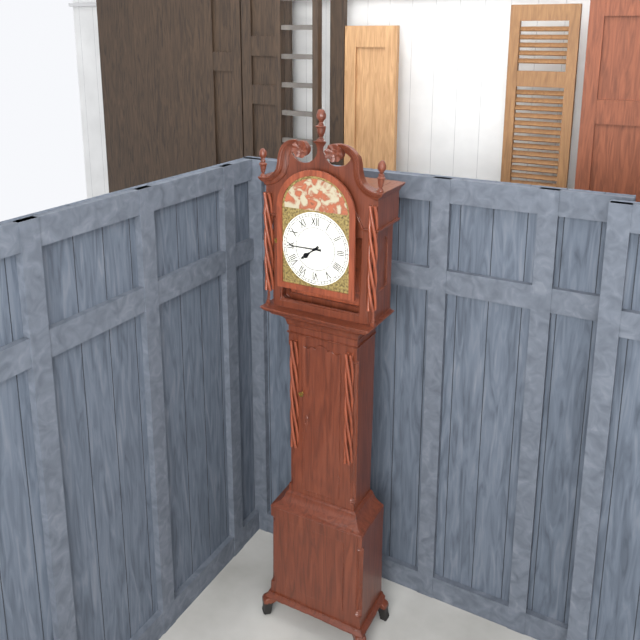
{"hour": 7, "minute": 45}
